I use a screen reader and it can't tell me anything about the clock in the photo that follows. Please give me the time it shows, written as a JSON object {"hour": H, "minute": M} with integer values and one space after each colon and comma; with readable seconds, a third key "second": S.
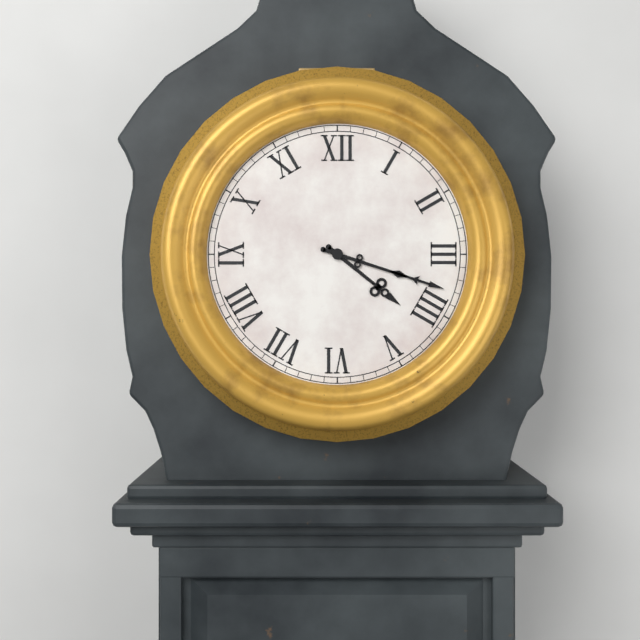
{"hour": 4, "minute": 18}
